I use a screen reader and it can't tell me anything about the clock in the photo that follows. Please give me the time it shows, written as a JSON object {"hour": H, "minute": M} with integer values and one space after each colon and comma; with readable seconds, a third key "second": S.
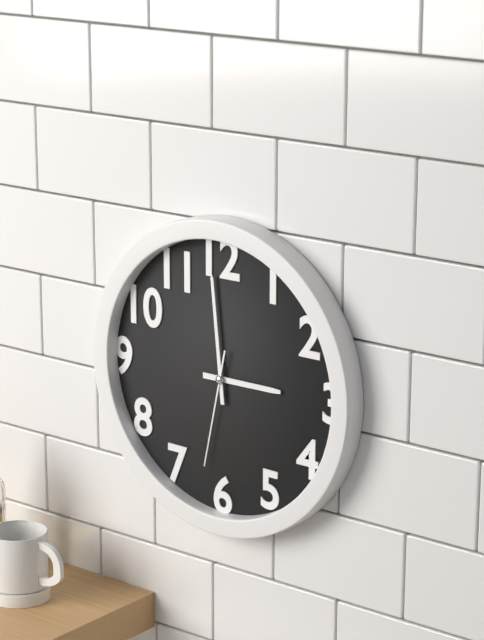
{"hour": 2, "minute": 59, "second": 32}
